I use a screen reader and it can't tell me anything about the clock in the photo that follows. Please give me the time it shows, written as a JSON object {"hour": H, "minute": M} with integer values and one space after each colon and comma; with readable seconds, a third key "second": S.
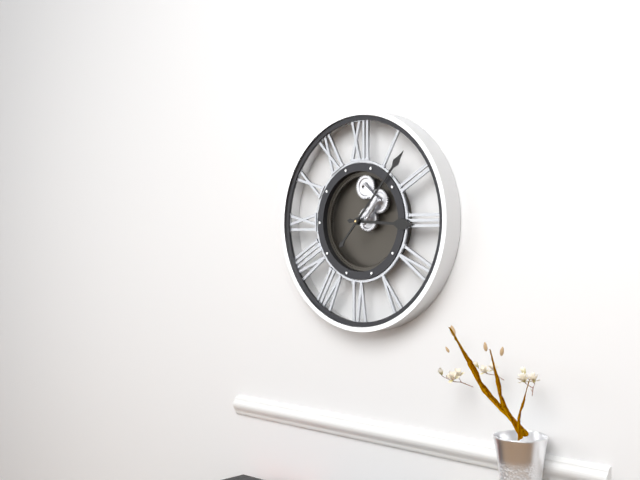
{"hour": 3, "minute": 7}
